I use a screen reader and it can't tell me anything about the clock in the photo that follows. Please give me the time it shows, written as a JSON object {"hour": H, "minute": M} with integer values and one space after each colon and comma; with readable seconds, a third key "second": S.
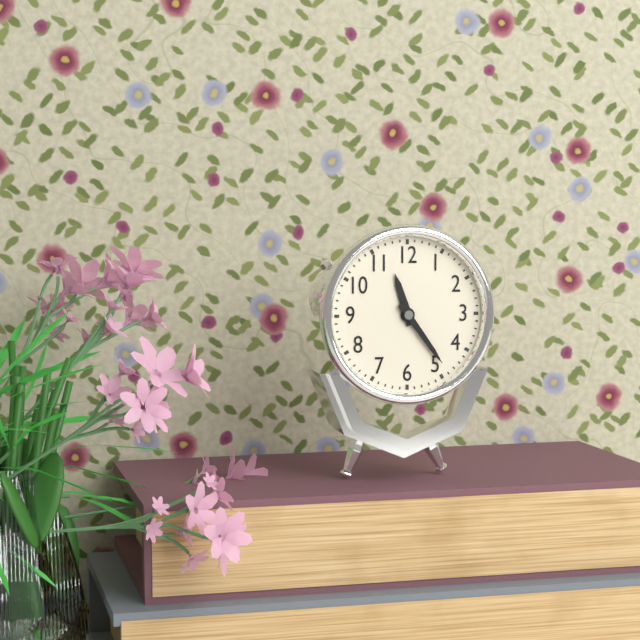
{"hour": 11, "minute": 24}
